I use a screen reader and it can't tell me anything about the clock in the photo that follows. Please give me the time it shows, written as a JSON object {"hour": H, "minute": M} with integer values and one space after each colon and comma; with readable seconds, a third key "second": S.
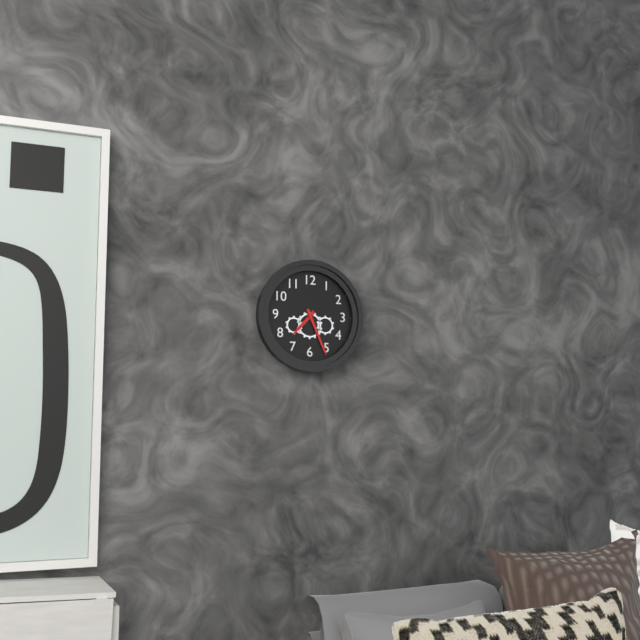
{"hour": 7, "minute": 26}
